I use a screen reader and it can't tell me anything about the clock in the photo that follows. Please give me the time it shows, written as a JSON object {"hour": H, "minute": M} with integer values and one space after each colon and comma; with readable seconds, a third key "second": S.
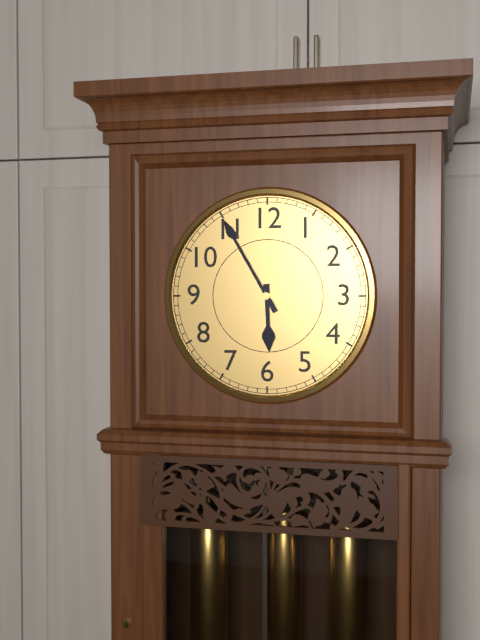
{"hour": 5, "minute": 55}
